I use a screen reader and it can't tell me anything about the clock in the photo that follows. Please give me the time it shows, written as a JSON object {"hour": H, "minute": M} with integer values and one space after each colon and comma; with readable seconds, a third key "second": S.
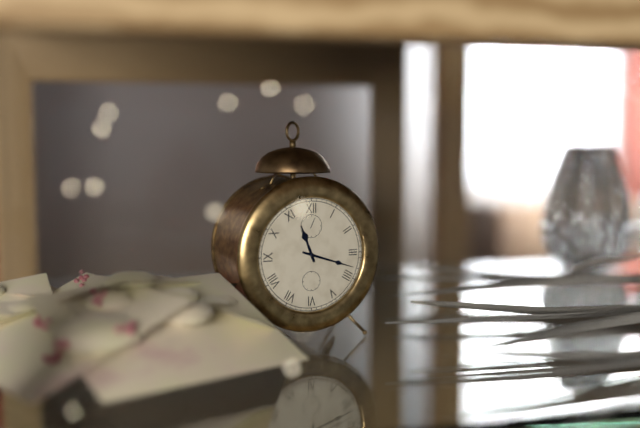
{"hour": 11, "minute": 18}
